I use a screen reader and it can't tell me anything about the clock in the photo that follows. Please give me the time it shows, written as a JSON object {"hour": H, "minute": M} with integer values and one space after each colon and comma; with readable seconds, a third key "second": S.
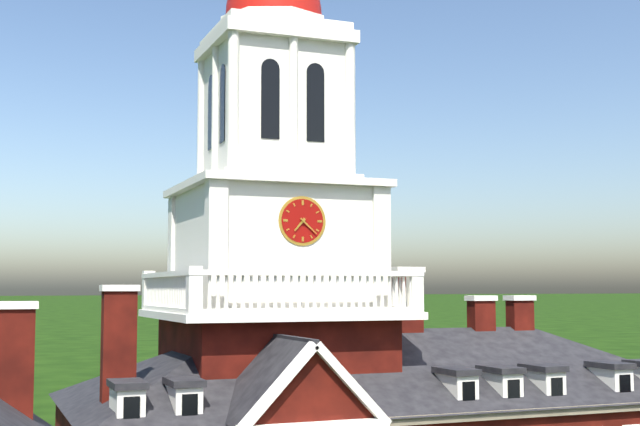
{"hour": 7, "minute": 22}
